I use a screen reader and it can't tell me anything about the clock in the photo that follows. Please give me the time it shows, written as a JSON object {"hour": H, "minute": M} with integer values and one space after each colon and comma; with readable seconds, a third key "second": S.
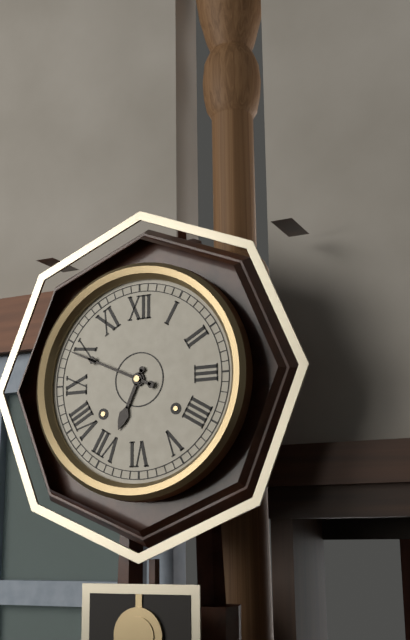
{"hour": 6, "minute": 49}
